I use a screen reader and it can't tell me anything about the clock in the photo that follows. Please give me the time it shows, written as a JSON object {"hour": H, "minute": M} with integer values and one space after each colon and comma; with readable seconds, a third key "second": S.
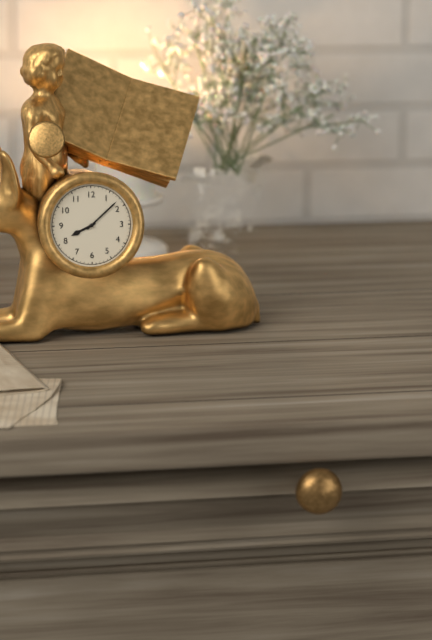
{"hour": 8, "minute": 8}
